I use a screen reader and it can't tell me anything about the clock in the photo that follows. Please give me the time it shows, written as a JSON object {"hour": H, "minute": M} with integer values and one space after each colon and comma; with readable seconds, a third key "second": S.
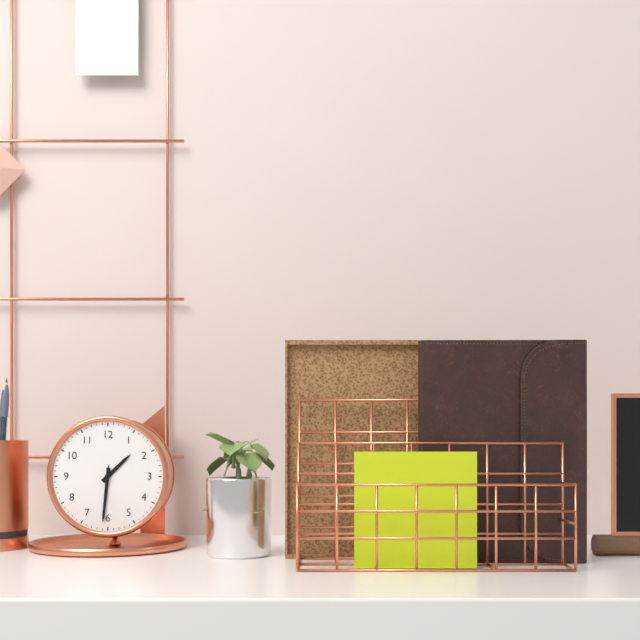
{"hour": 1, "minute": 31, "second": 31}
